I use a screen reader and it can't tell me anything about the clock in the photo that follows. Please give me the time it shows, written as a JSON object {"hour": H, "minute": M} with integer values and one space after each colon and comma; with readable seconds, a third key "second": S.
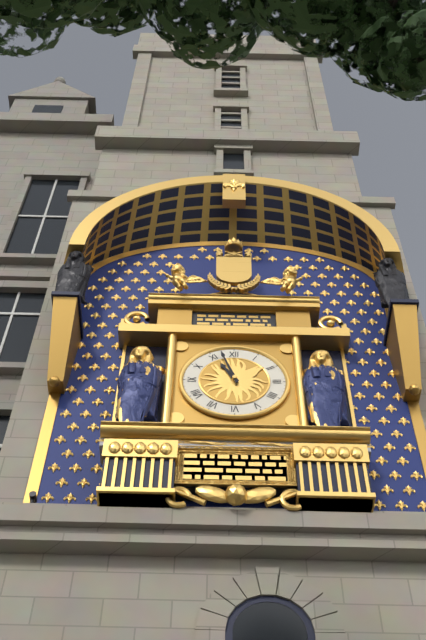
{"hour": 10, "minute": 57}
